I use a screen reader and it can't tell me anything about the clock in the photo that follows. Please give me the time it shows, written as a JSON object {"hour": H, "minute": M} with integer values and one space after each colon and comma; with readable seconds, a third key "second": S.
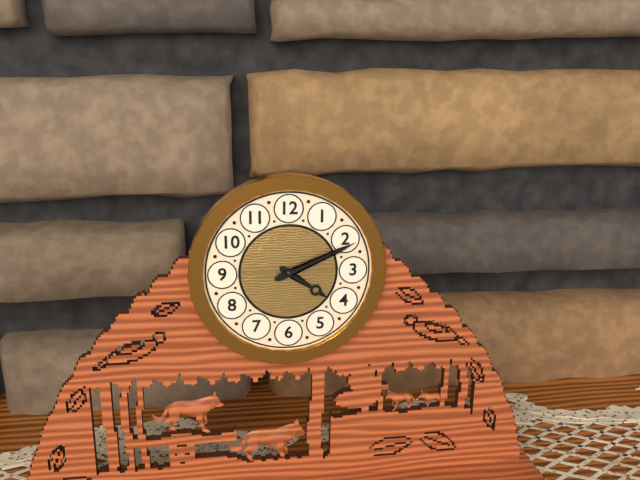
{"hour": 4, "minute": 11}
